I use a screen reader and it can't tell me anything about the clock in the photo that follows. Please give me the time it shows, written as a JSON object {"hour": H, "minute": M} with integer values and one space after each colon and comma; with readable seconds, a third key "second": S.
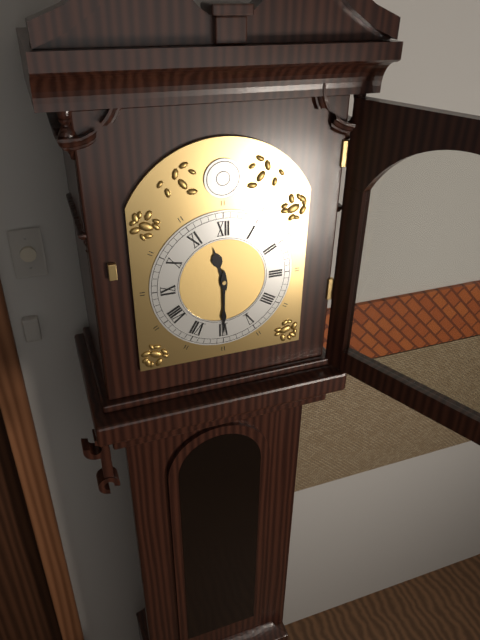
{"hour": 11, "minute": 30}
